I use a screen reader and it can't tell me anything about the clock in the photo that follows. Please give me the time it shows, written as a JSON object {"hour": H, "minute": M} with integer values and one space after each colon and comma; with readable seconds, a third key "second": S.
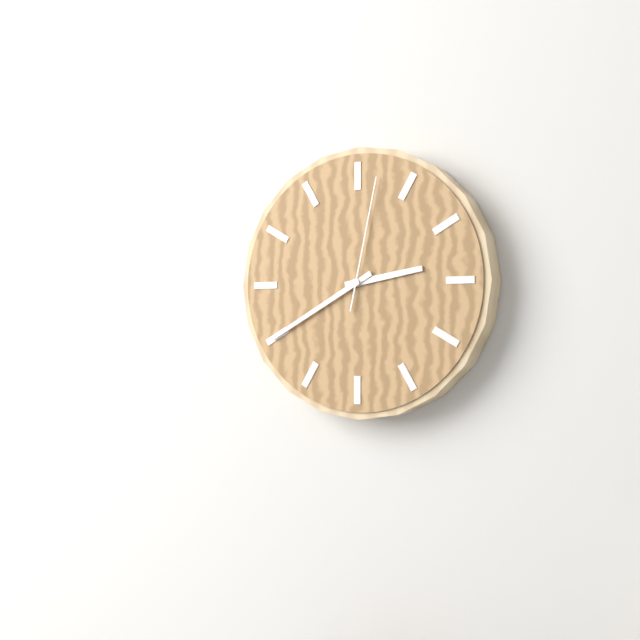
{"hour": 2, "minute": 40, "second": 2}
